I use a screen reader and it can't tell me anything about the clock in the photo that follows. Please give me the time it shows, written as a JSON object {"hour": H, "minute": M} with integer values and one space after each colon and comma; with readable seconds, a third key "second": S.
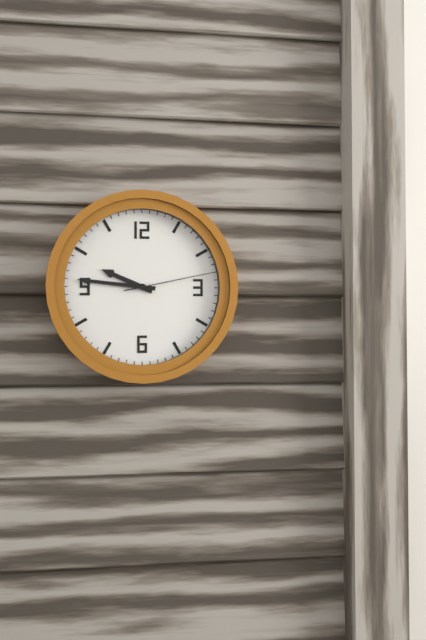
{"hour": 9, "minute": 46, "second": 13}
